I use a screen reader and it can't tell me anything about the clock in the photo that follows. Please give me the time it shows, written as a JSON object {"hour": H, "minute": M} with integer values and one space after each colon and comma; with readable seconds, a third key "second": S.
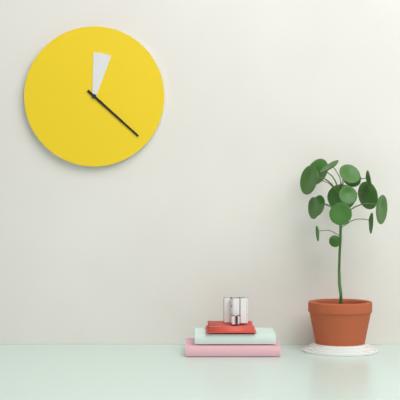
{"hour": 12, "minute": 22}
